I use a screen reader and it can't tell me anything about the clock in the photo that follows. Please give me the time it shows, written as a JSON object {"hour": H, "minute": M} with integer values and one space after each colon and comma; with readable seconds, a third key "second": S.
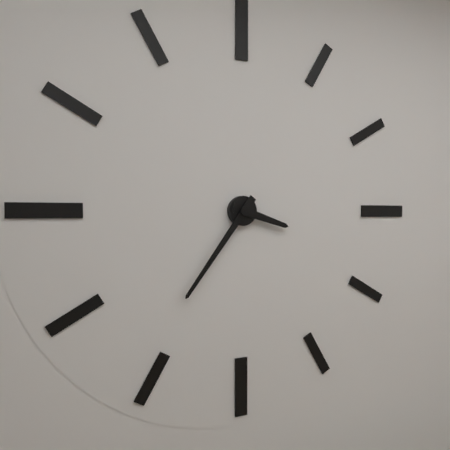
{"hour": 3, "minute": 36}
